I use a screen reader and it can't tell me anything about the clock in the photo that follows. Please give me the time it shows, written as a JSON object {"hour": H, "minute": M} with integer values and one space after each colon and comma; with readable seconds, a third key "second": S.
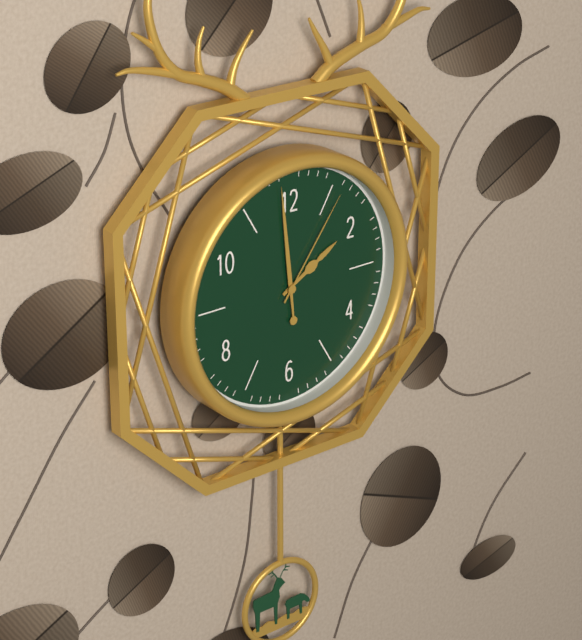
{"hour": 1, "minute": 59, "second": 6}
